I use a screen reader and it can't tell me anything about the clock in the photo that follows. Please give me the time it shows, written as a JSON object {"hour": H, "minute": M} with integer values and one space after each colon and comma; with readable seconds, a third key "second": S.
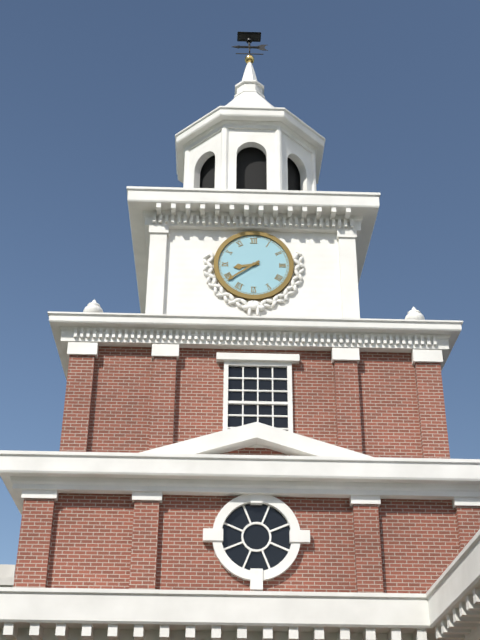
{"hour": 8, "minute": 39}
